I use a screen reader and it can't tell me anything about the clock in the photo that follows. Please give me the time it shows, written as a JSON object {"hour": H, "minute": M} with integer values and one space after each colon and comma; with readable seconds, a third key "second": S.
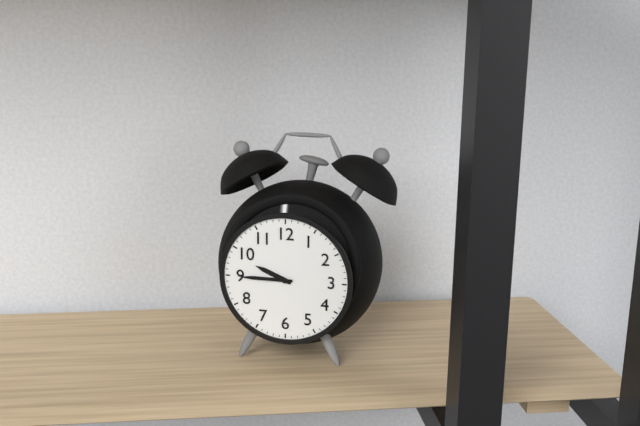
{"hour": 9, "minute": 45}
